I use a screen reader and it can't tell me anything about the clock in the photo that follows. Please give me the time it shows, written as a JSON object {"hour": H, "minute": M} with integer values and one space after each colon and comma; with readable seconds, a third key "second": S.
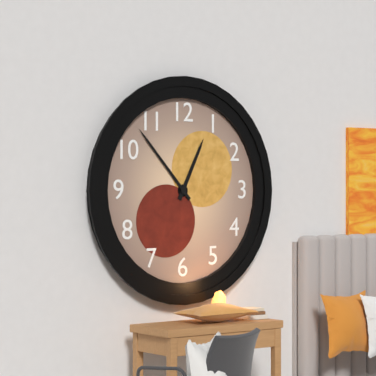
{"hour": 12, "minute": 53}
